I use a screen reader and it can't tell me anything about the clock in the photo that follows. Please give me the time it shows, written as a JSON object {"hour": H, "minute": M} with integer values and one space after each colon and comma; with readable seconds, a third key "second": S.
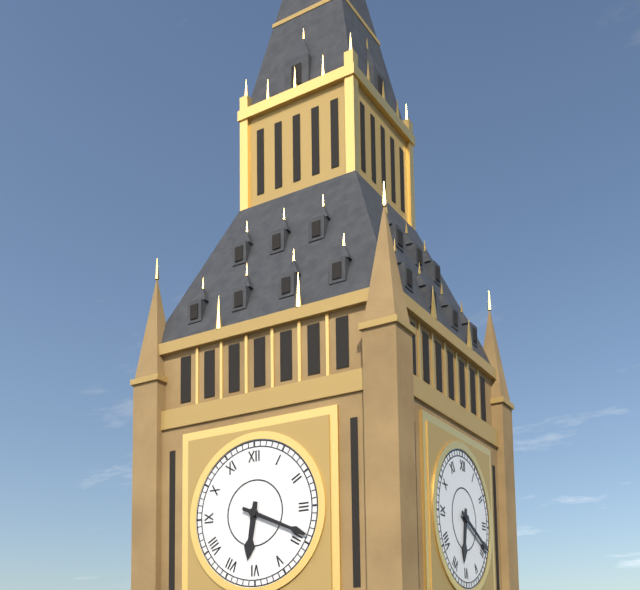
{"hour": 6, "minute": 19}
